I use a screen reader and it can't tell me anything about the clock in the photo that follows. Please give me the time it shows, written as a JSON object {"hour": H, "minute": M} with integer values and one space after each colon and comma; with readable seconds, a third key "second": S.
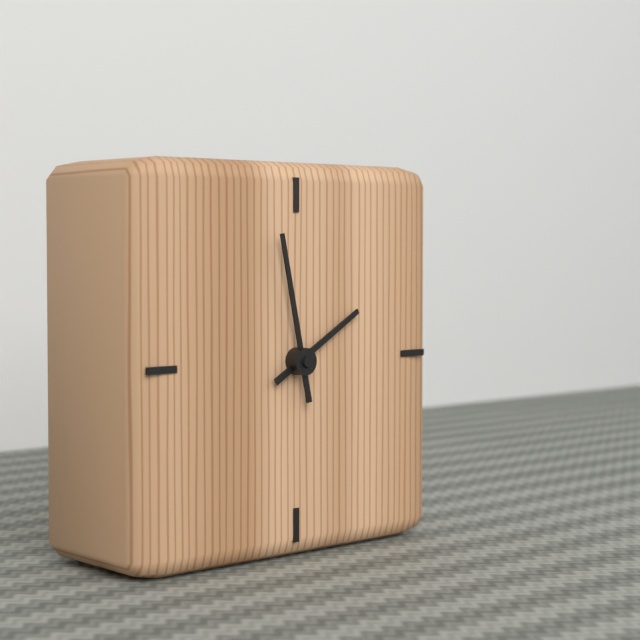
{"hour": 1, "minute": 58}
